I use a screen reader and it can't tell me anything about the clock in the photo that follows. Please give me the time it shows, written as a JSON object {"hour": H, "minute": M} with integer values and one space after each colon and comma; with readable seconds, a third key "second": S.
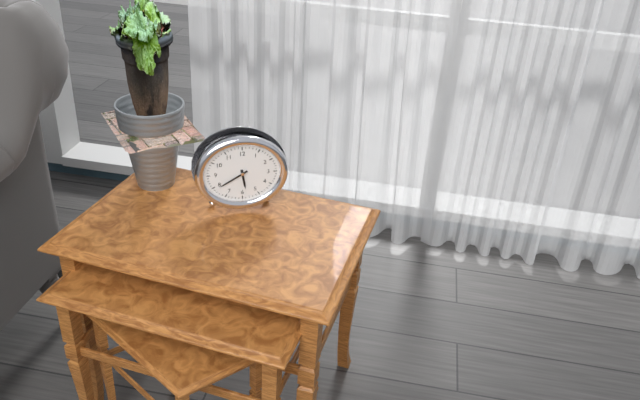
{"hour": 5, "minute": 40}
